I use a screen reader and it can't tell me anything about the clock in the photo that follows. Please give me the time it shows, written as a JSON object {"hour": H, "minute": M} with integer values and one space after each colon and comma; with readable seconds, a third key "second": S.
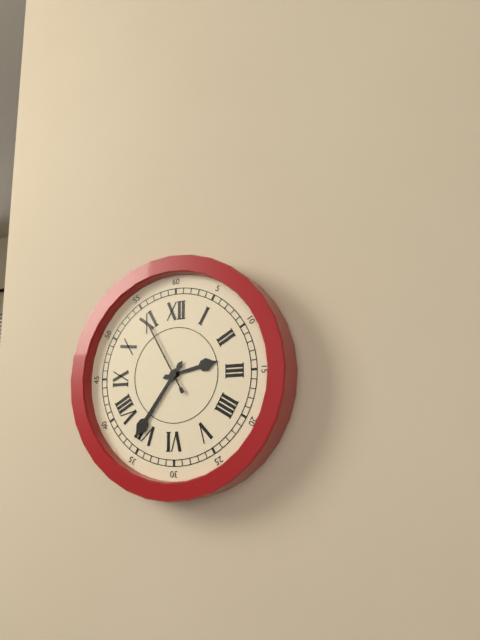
{"hour": 2, "minute": 36, "second": 55}
